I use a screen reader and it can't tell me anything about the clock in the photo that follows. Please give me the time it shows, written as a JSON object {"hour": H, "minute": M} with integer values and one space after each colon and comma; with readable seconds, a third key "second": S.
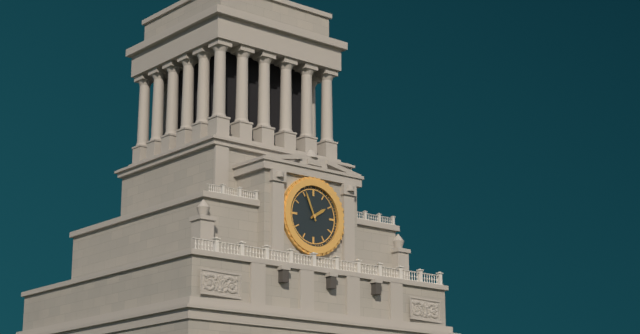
{"hour": 1, "minute": 56}
